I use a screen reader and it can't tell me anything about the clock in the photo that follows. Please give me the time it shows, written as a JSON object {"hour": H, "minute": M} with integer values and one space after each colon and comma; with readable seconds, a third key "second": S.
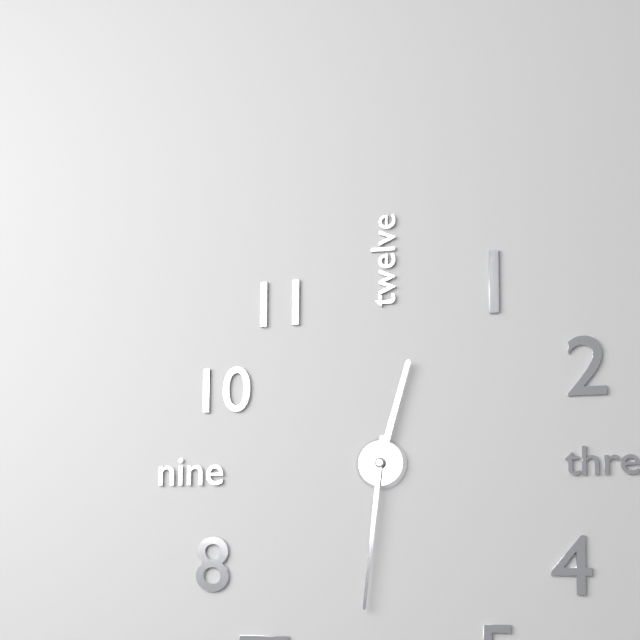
{"hour": 12, "minute": 31}
